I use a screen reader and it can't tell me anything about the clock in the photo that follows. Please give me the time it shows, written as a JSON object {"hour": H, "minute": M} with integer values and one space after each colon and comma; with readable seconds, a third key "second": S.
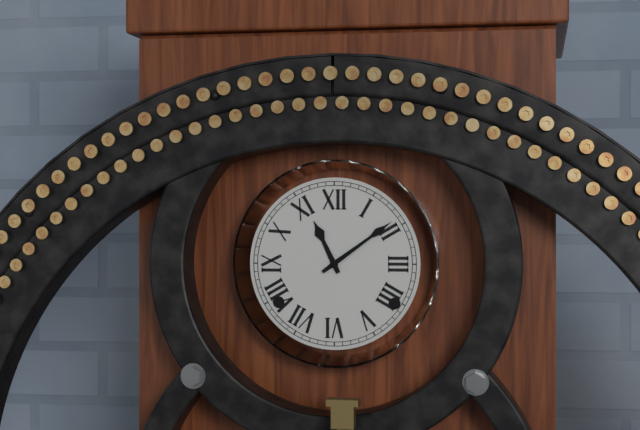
{"hour": 11, "minute": 9}
